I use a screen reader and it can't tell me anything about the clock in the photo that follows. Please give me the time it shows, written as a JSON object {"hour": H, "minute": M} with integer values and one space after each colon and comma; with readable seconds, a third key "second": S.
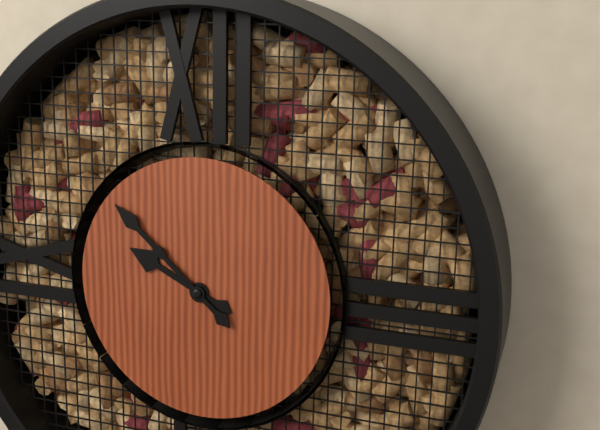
{"hour": 9, "minute": 52}
